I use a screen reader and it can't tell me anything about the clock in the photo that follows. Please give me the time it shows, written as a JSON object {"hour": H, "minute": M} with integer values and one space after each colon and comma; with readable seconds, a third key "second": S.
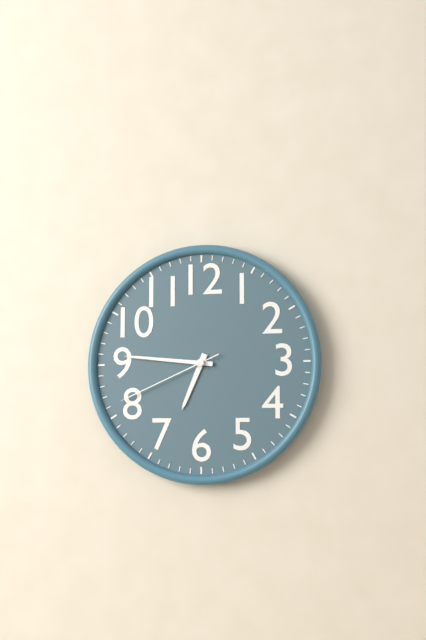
{"hour": 6, "minute": 46, "second": 41}
